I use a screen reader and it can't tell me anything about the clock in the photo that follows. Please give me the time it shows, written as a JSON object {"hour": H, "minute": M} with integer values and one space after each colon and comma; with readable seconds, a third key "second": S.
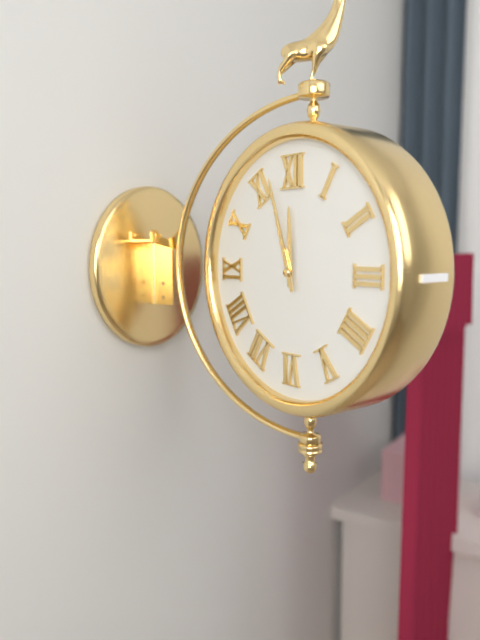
{"hour": 11, "minute": 57}
